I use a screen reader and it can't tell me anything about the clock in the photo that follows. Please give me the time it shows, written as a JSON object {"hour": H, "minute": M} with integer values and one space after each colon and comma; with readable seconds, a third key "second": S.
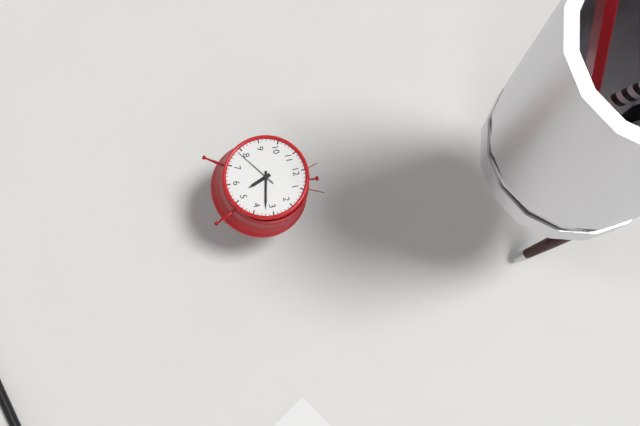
{"hour": 5, "minute": 17}
